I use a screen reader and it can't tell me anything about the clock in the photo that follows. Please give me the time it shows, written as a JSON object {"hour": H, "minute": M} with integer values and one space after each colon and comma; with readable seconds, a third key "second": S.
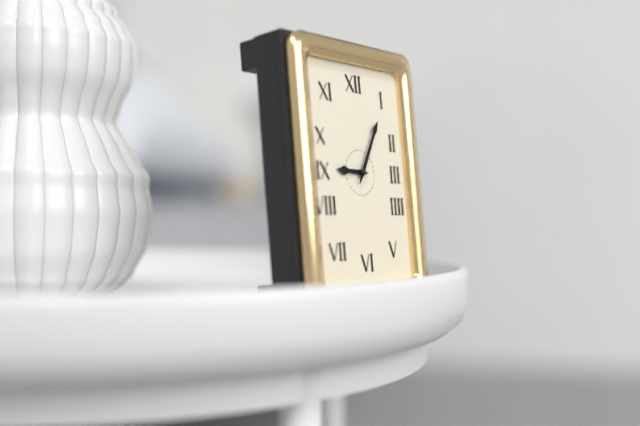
{"hour": 9, "minute": 5}
